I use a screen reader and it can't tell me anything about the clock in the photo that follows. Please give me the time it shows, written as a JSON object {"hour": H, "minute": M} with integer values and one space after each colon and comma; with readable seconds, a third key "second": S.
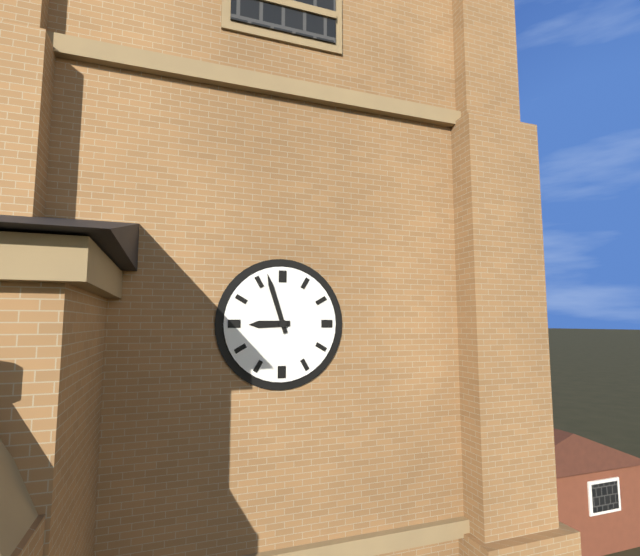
{"hour": 8, "minute": 57}
